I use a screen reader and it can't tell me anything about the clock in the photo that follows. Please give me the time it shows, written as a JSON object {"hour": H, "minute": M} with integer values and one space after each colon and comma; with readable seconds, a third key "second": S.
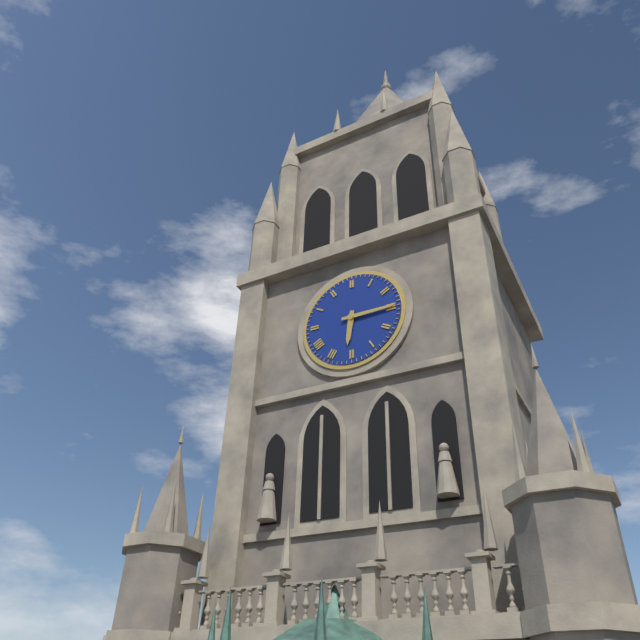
{"hour": 6, "minute": 15}
